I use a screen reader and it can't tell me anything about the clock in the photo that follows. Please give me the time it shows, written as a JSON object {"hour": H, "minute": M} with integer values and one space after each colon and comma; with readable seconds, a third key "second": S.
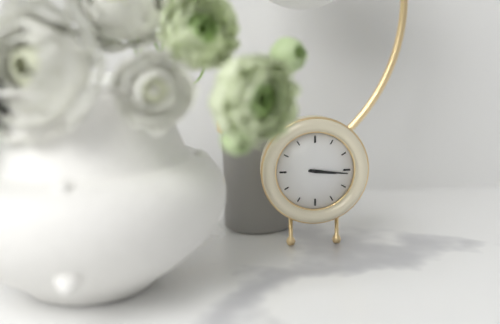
{"hour": 3, "minute": 16}
